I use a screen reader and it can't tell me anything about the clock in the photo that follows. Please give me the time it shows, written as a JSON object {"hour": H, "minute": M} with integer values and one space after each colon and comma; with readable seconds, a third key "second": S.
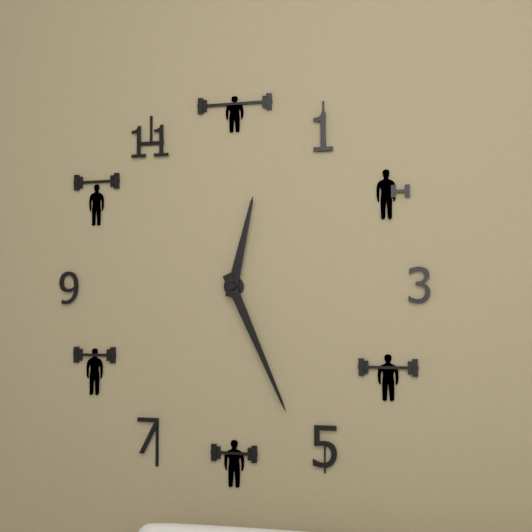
{"hour": 12, "minute": 26}
